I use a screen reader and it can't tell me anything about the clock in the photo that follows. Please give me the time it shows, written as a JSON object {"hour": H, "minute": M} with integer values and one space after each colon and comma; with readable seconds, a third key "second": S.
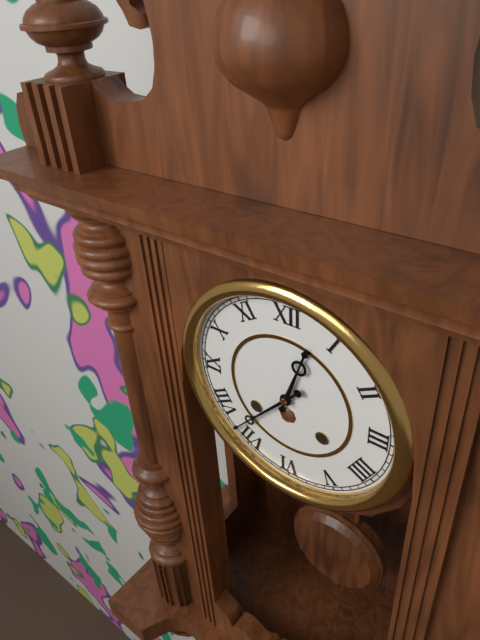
{"hour": 12, "minute": 37}
